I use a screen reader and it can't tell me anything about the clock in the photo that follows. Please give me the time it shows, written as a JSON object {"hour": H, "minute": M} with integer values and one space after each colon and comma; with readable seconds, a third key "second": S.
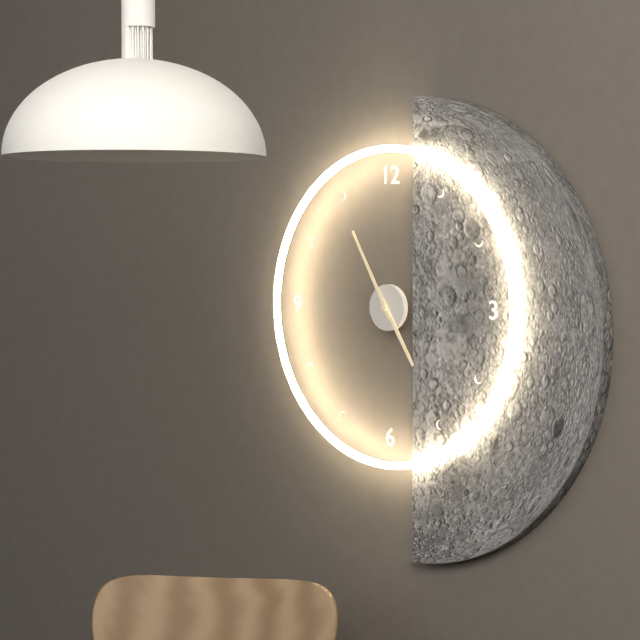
{"hour": 4, "minute": 55}
